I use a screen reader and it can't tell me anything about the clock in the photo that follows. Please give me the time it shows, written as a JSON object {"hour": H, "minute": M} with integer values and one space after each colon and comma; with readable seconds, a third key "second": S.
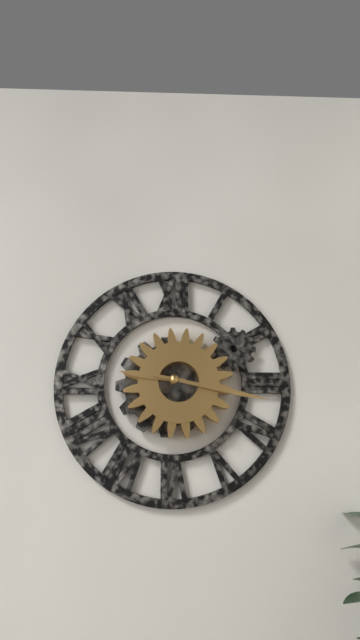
{"hour": 9, "minute": 17}
